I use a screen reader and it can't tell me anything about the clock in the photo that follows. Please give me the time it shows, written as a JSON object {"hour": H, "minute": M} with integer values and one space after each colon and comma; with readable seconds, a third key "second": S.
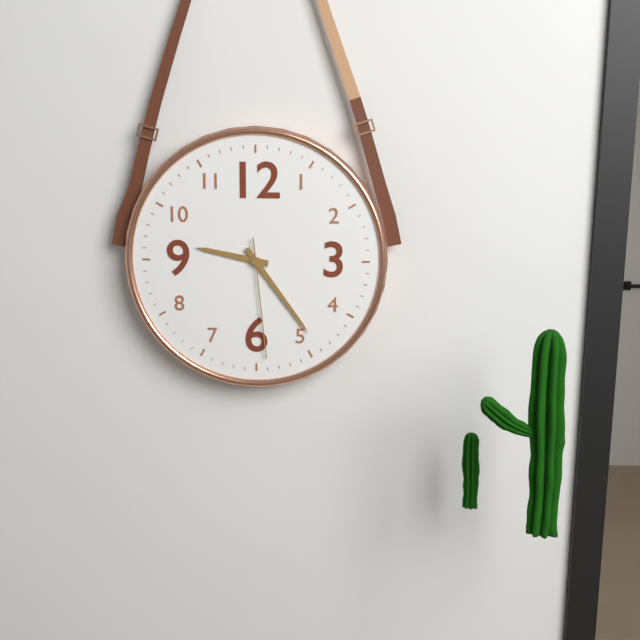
{"hour": 9, "minute": 24, "second": 29}
